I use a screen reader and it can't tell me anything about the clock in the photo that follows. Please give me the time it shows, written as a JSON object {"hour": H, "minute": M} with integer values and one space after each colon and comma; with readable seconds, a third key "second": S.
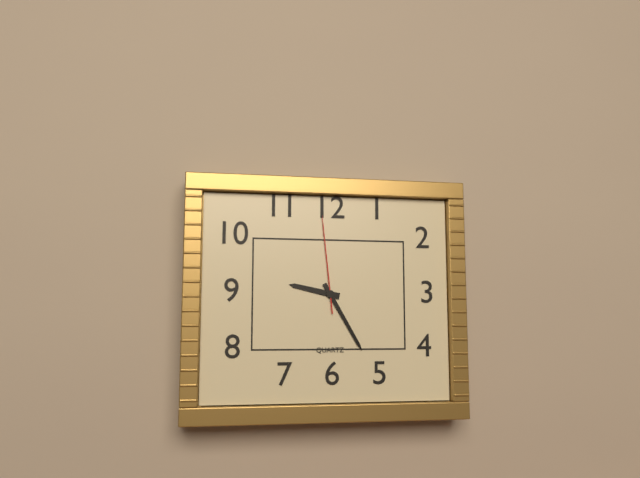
{"hour": 9, "minute": 25, "second": 59}
